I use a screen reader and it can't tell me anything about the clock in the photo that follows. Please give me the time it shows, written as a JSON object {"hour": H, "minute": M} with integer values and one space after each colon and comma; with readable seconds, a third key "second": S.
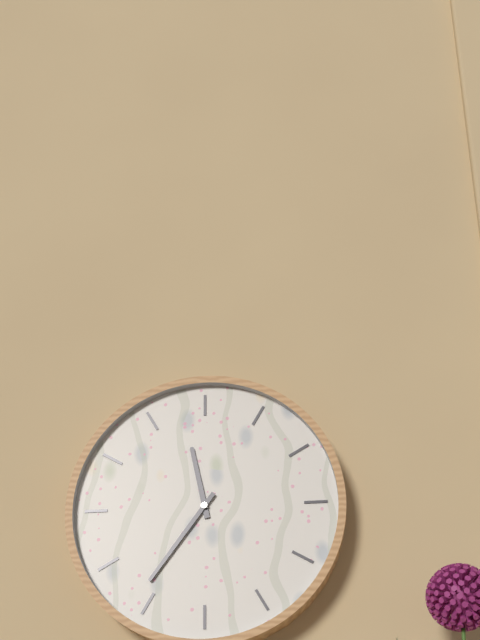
{"hour": 11, "minute": 36}
